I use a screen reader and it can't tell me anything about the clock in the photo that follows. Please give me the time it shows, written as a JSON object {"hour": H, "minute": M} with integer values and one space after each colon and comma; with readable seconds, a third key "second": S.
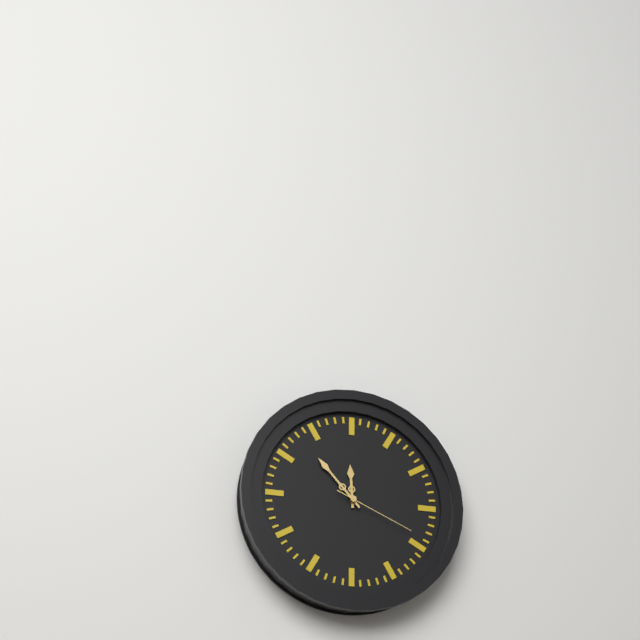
{"hour": 11, "minute": 53, "second": 19}
